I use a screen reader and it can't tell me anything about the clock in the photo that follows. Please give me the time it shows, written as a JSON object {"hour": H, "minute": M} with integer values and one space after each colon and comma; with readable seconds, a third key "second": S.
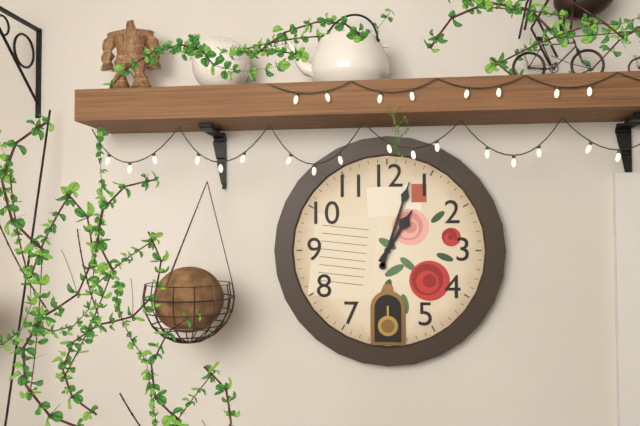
{"hour": 1, "minute": 3}
